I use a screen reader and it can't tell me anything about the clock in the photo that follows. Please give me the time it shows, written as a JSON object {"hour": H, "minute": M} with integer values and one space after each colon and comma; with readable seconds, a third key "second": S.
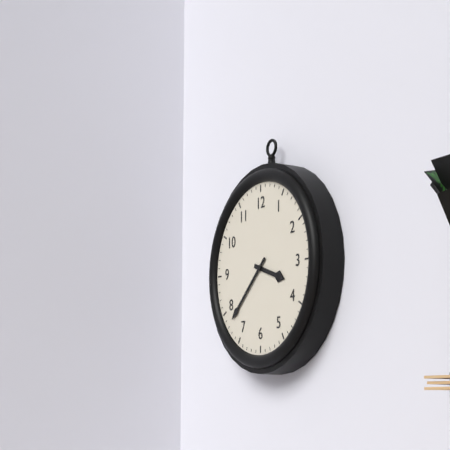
{"hour": 3, "minute": 38}
